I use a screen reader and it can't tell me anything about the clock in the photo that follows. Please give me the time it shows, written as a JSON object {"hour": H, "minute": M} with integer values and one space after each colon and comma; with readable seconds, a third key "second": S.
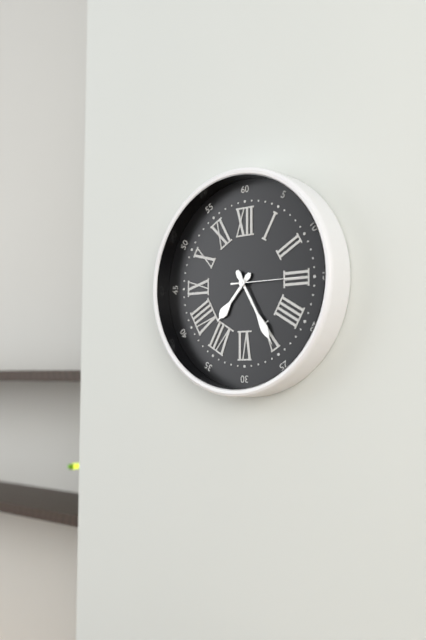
{"hour": 7, "minute": 25, "second": 15}
